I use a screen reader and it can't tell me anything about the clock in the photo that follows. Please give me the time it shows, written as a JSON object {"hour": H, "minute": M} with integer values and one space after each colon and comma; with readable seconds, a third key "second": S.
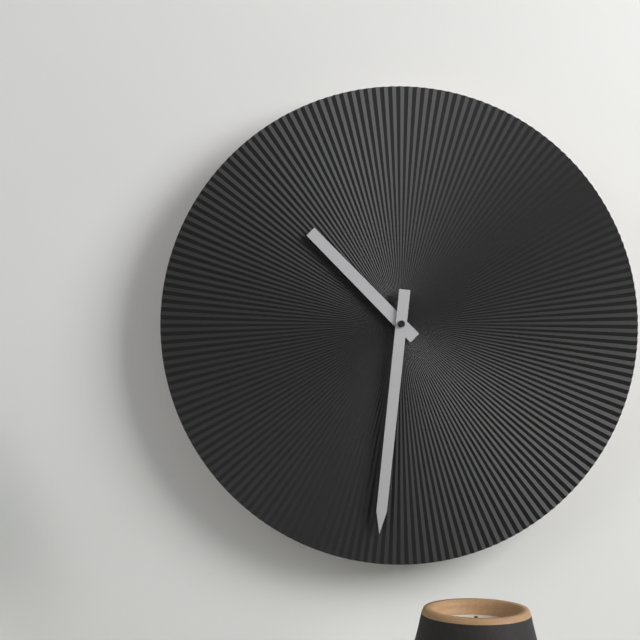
{"hour": 10, "minute": 31}
